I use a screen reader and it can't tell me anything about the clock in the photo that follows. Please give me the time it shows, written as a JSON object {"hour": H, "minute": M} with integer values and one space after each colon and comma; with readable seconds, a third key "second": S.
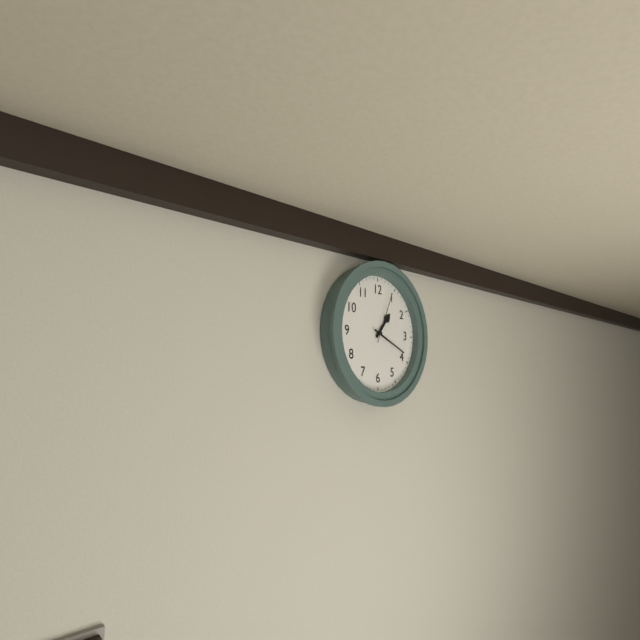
{"hour": 1, "minute": 19, "second": 4}
